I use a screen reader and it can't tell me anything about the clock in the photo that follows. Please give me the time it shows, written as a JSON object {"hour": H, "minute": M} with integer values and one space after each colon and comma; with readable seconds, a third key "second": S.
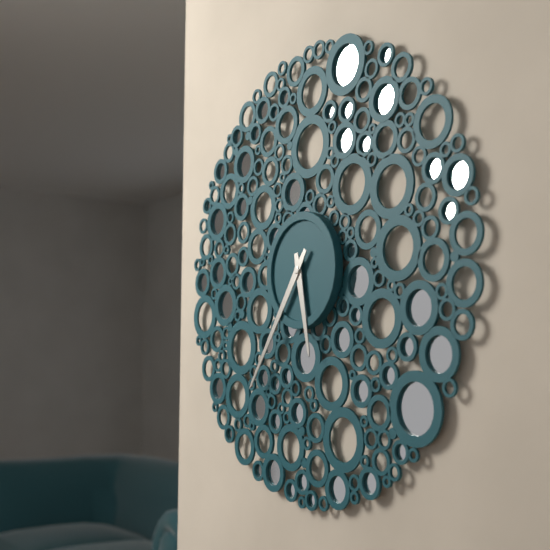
{"hour": 5, "minute": 36}
